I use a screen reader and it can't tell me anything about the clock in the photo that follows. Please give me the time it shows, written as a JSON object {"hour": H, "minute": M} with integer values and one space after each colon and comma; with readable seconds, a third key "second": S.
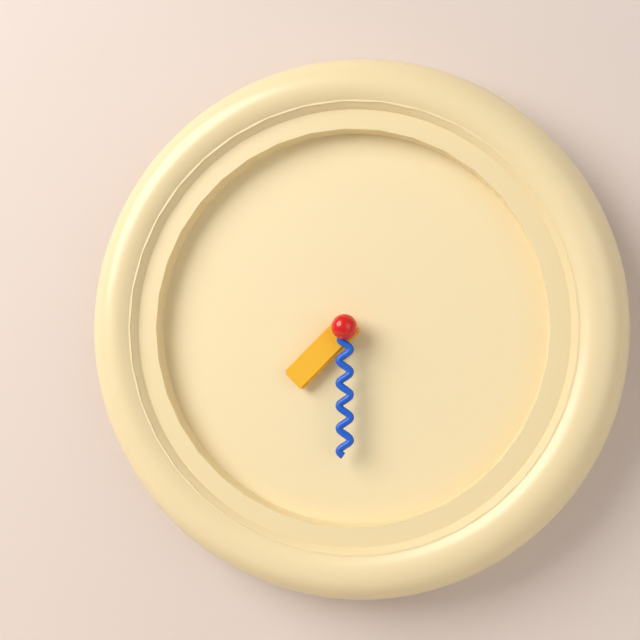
{"hour": 7, "minute": 30}
